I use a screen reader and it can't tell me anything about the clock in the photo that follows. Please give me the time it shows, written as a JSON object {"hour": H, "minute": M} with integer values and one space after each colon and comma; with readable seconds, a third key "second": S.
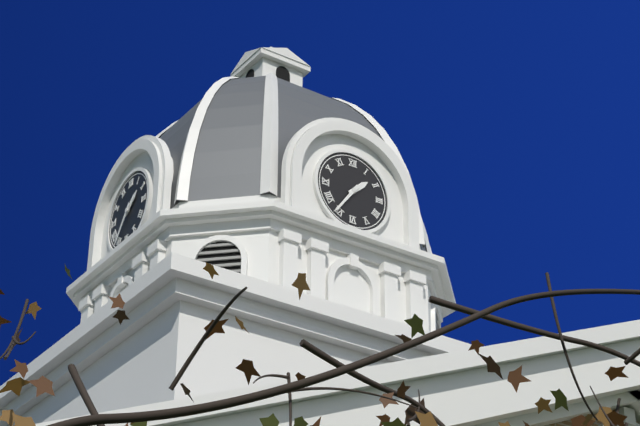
{"hour": 1, "minute": 36}
